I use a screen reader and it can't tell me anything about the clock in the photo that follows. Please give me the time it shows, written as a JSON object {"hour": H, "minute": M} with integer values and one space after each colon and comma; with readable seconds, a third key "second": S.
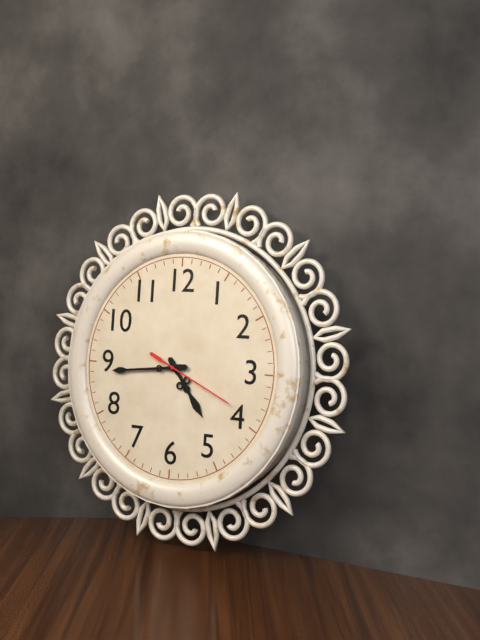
{"hour": 4, "minute": 44, "second": 19}
